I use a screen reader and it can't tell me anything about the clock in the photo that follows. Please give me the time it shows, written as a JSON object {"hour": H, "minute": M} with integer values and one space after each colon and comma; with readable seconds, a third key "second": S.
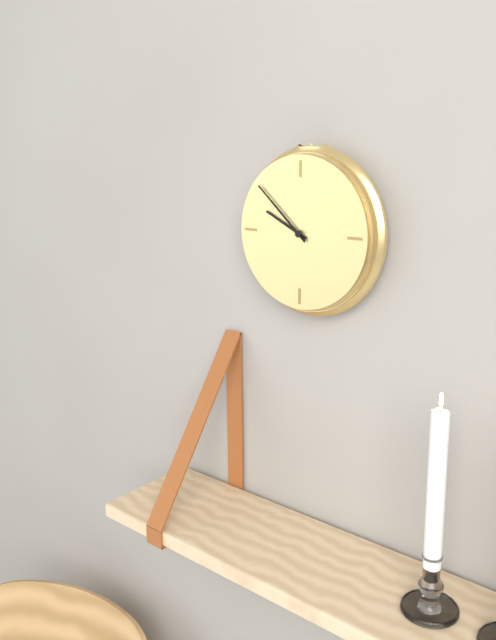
{"hour": 9, "minute": 52}
